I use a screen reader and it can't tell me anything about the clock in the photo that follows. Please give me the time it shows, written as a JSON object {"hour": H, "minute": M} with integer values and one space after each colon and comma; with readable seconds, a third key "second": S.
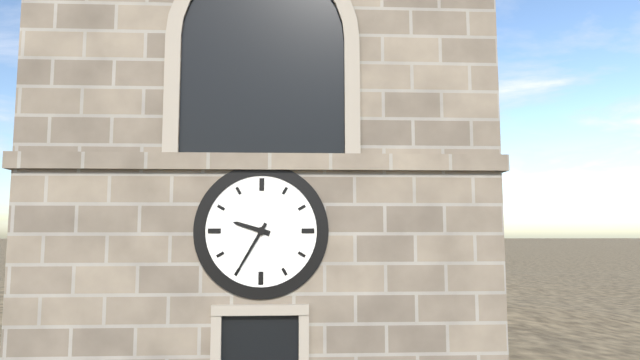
{"hour": 9, "minute": 35}
